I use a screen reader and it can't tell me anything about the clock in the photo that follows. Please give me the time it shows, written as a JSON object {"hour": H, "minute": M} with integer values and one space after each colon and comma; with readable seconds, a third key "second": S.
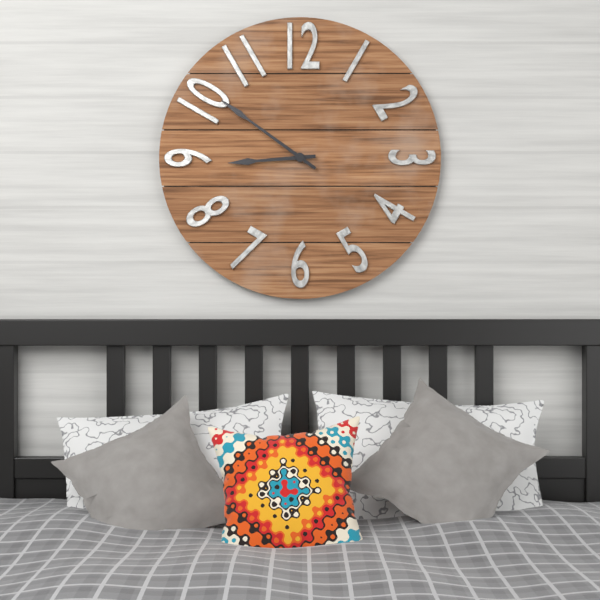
{"hour": 8, "minute": 51}
